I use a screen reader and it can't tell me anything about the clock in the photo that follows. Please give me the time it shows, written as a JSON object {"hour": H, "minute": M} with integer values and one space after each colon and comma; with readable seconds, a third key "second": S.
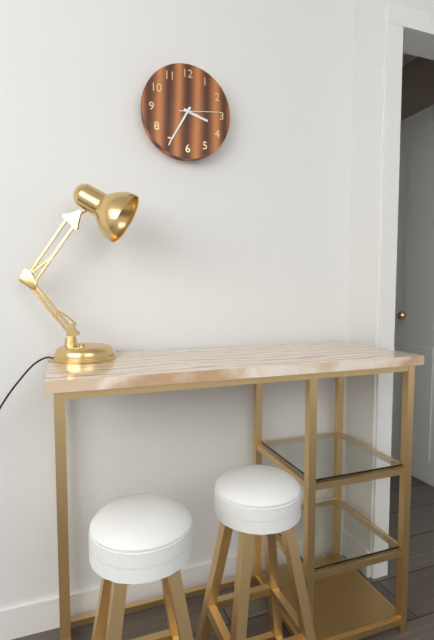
{"hour": 3, "minute": 35}
